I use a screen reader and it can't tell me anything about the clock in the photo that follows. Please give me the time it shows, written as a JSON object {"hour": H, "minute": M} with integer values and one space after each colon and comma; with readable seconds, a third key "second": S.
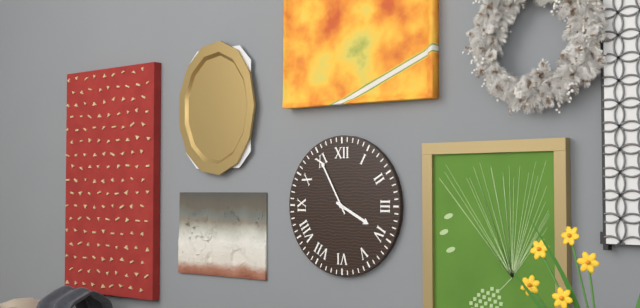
{"hour": 3, "minute": 55}
